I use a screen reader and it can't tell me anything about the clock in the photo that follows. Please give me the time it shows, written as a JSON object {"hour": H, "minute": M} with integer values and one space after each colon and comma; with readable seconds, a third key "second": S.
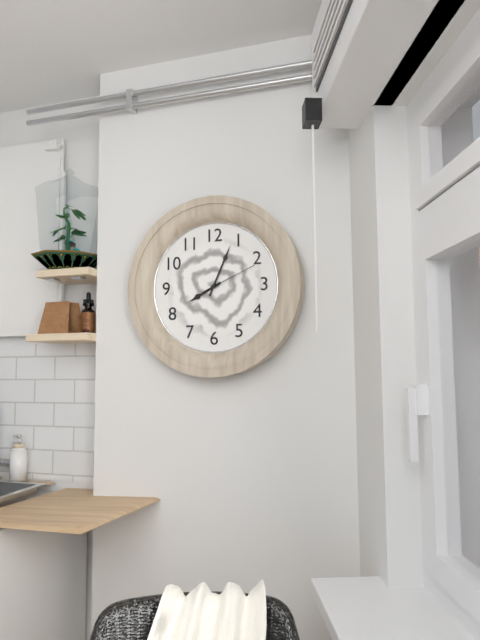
{"hour": 8, "minute": 4, "second": 11}
